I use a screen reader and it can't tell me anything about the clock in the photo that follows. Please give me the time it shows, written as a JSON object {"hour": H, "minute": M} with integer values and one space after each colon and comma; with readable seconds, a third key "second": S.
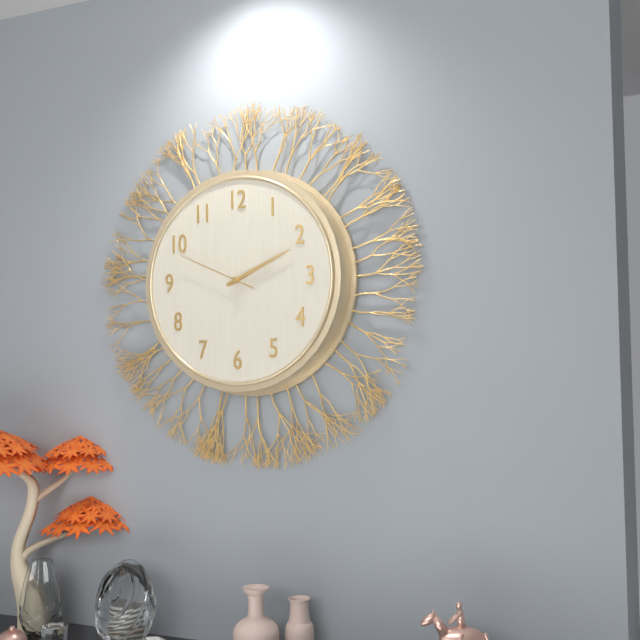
{"hour": 2, "minute": 11, "second": 49}
